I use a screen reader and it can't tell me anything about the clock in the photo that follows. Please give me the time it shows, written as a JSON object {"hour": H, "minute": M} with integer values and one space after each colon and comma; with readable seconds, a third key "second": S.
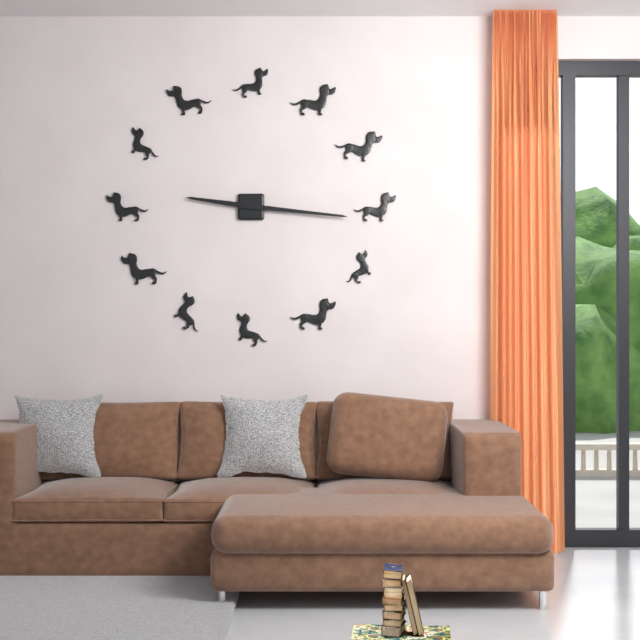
{"hour": 9, "minute": 16}
